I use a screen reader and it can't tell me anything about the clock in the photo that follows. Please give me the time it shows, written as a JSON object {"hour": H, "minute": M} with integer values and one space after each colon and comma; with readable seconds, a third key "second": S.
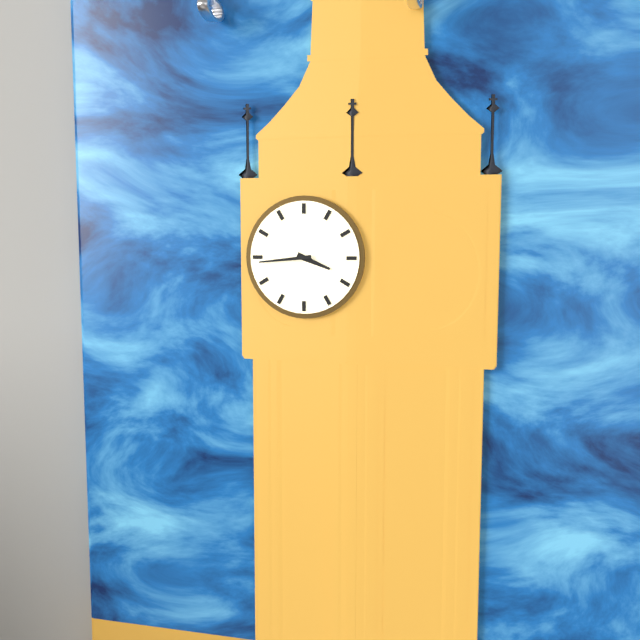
{"hour": 3, "minute": 44}
